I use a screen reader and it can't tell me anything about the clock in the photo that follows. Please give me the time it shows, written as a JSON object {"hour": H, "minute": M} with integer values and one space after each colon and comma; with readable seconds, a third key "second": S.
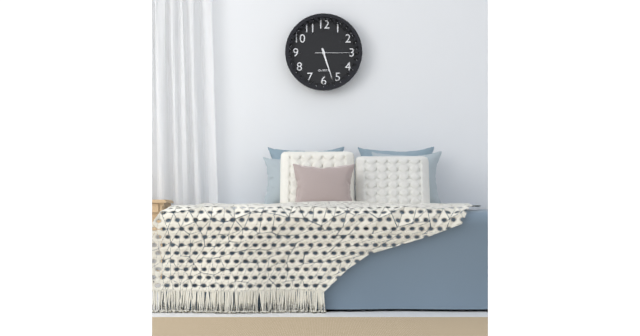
{"hour": 5, "minute": 27}
